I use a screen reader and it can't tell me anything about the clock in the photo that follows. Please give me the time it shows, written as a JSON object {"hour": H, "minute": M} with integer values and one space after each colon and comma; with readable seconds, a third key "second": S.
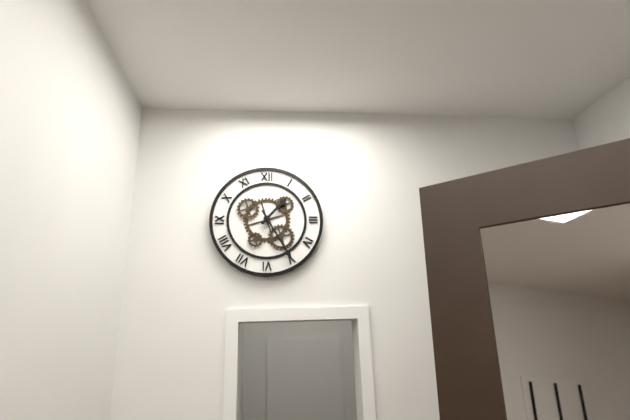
{"hour": 1, "minute": 25}
